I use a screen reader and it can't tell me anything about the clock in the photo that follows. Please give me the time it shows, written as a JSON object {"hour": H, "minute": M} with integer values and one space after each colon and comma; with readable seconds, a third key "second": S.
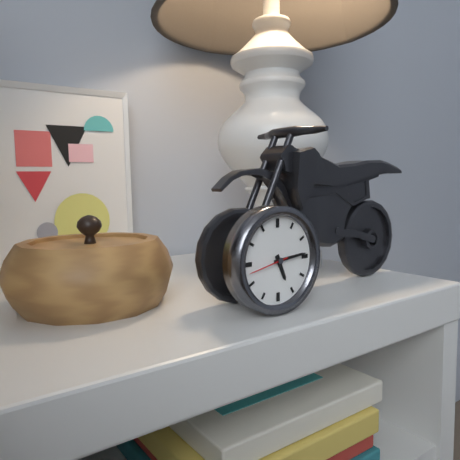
{"hour": 5, "minute": 14}
